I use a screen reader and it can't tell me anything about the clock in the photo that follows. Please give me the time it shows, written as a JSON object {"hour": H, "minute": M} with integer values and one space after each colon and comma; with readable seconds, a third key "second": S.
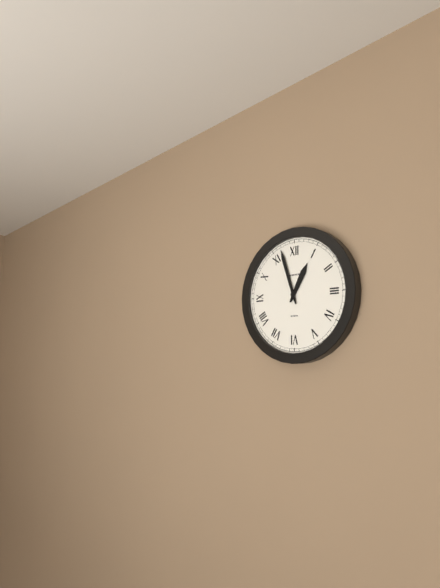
{"hour": 12, "minute": 57}
